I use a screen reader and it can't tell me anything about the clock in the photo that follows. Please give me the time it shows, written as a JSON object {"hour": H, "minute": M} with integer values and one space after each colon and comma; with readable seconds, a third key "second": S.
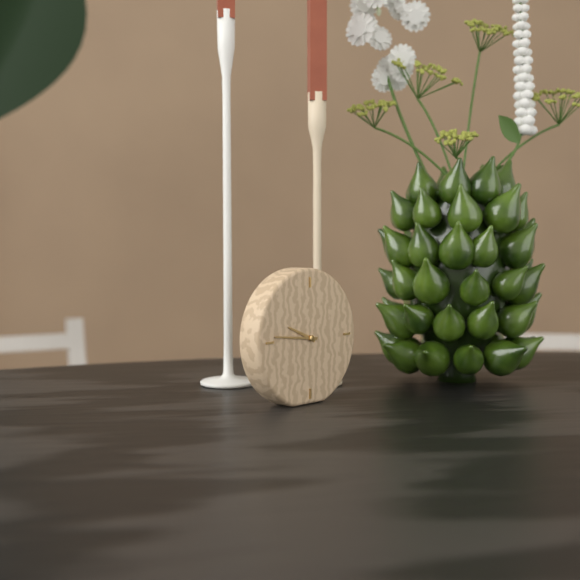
{"hour": 9, "minute": 46}
